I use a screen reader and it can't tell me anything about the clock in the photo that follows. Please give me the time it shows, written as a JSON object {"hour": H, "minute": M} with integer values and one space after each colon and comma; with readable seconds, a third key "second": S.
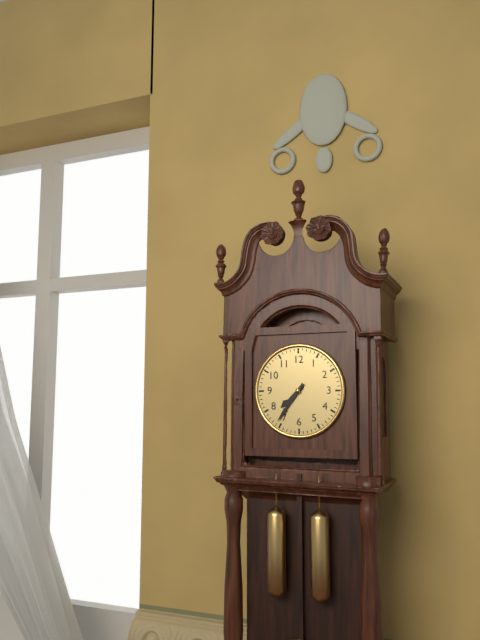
{"hour": 7, "minute": 36}
